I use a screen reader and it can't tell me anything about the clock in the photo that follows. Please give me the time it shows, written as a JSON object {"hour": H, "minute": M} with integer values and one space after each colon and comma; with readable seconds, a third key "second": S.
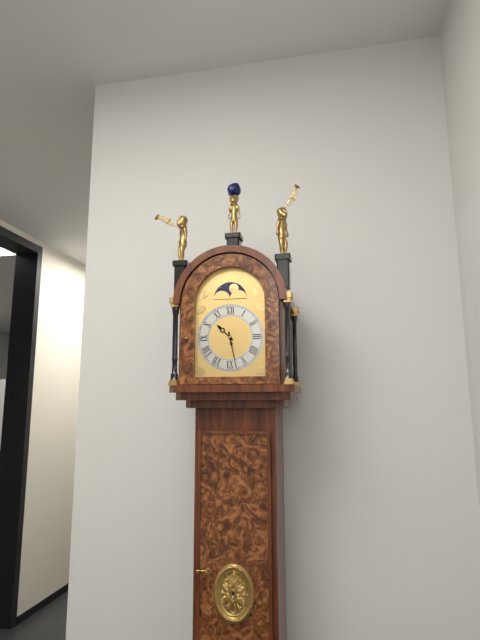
{"hour": 10, "minute": 28}
